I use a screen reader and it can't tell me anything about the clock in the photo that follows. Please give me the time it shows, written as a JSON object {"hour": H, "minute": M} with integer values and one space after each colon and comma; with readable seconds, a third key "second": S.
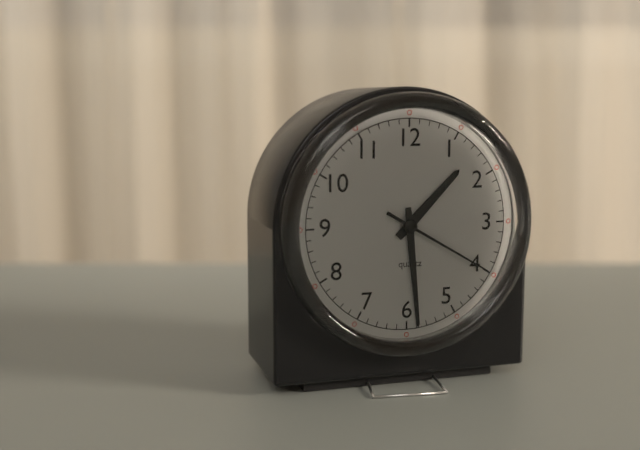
{"hour": 1, "minute": 29, "second": 20}
